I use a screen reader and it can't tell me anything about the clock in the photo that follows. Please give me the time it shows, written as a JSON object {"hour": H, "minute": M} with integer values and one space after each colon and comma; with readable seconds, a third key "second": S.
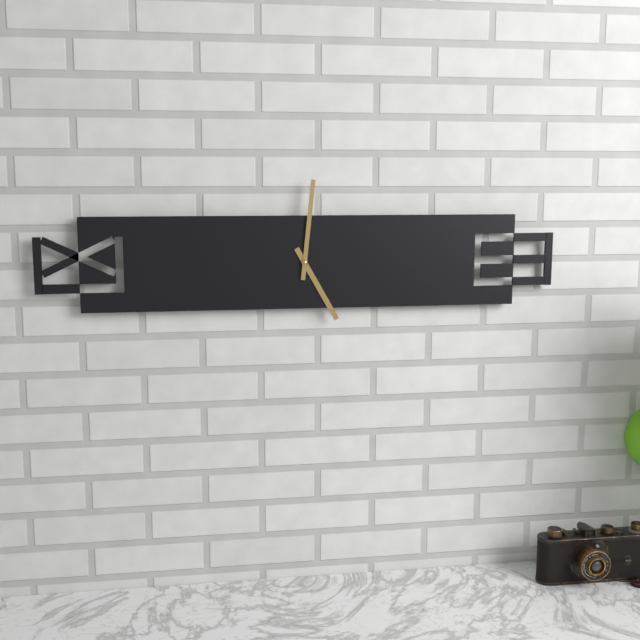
{"hour": 5, "minute": 1}
